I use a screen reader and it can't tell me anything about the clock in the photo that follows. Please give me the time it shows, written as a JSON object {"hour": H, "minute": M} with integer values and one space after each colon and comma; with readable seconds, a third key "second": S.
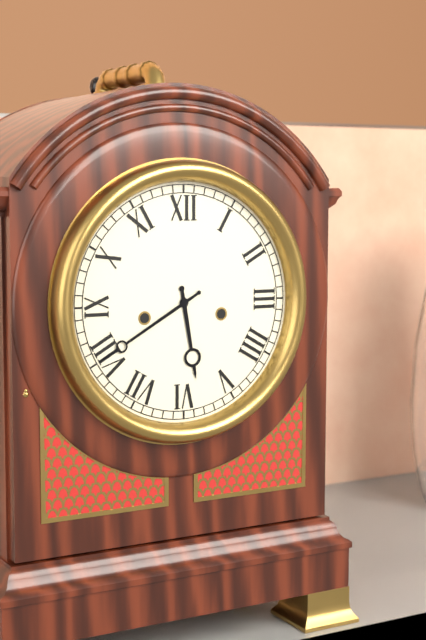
{"hour": 5, "minute": 40}
